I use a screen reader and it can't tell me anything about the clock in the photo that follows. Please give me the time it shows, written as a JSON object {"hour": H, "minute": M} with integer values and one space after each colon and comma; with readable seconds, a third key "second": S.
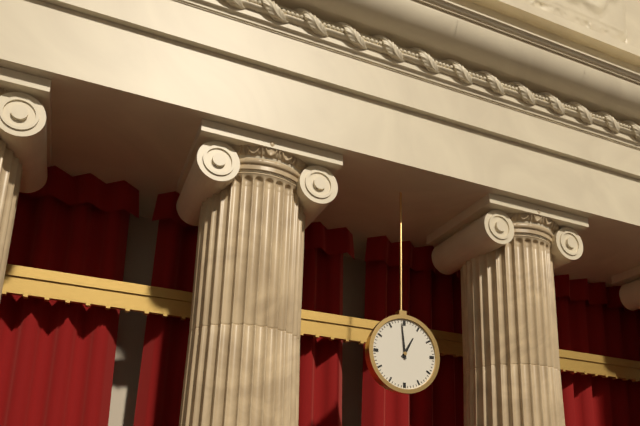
{"hour": 12, "minute": 59}
